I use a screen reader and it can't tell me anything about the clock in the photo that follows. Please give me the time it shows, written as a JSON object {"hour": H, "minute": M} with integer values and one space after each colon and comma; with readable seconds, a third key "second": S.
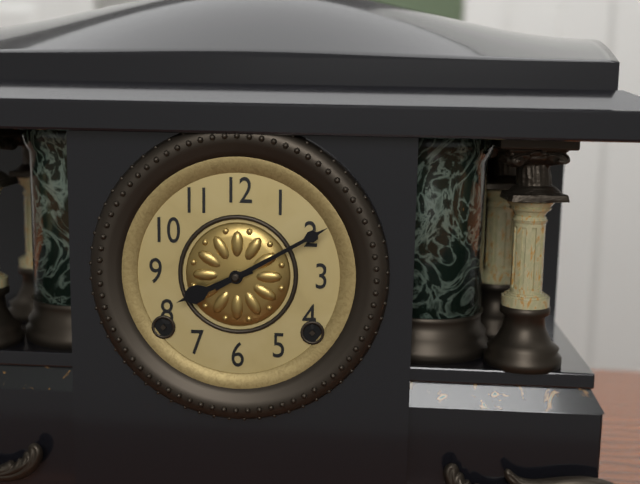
{"hour": 8, "minute": 10}
